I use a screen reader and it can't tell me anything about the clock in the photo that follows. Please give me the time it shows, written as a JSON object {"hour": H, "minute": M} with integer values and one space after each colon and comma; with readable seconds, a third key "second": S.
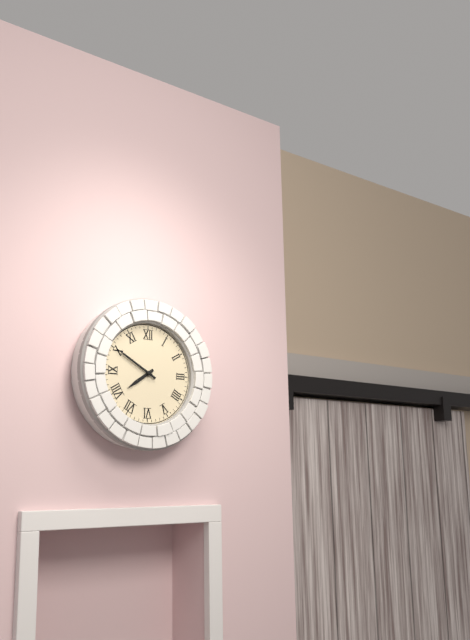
{"hour": 7, "minute": 50}
